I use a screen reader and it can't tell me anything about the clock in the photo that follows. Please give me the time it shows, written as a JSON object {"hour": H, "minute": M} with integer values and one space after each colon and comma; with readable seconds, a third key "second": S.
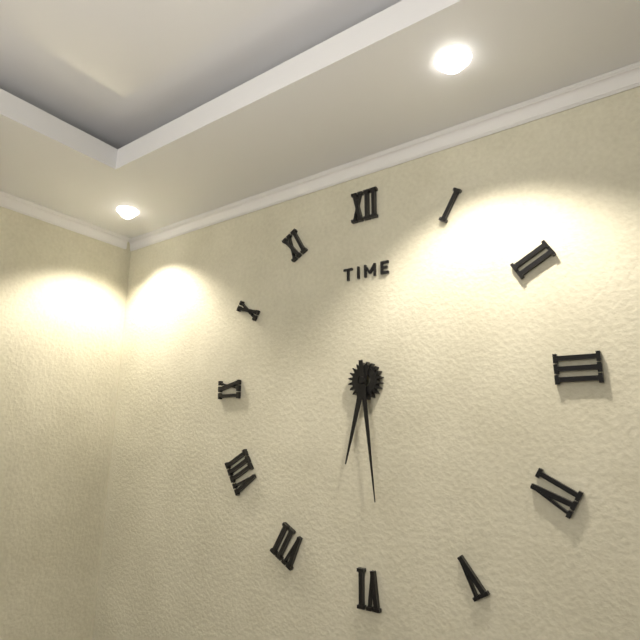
{"hour": 6, "minute": 29}
